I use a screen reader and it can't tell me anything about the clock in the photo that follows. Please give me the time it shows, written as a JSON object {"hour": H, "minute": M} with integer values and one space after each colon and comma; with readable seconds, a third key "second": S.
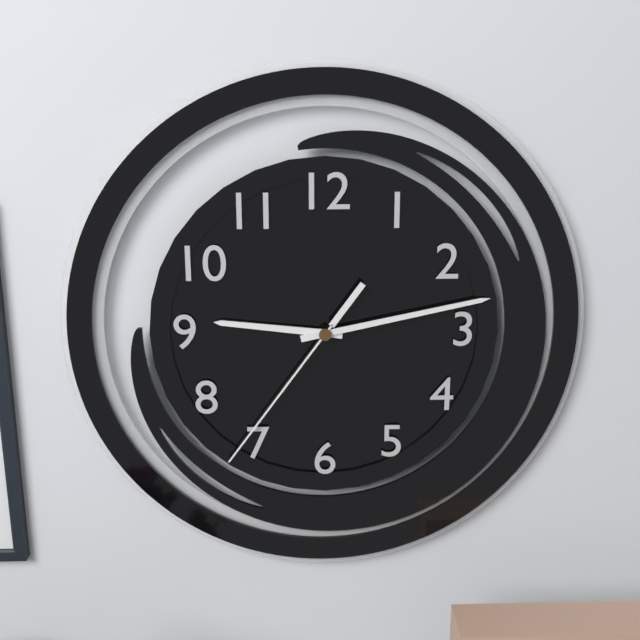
{"hour": 9, "minute": 13, "second": 36}
